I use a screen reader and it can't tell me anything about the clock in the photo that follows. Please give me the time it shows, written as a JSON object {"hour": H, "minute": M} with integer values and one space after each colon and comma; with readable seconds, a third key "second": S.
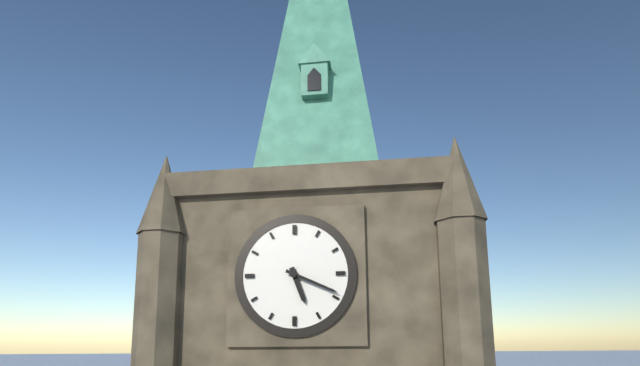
{"hour": 5, "minute": 19}
